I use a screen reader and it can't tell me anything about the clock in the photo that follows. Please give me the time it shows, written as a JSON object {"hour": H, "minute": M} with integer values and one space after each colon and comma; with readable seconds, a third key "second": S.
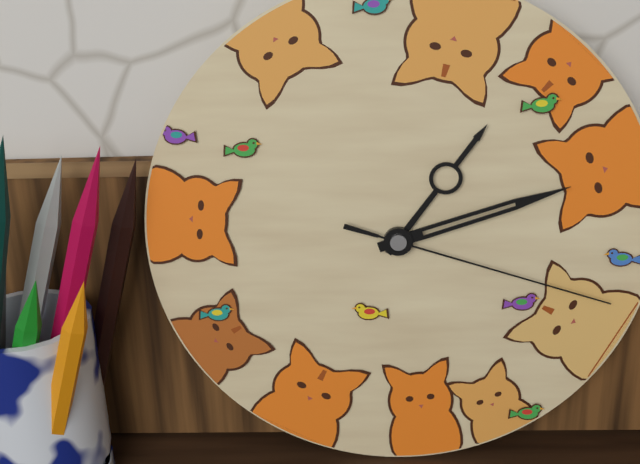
{"hour": 1, "minute": 12, "second": 18}
